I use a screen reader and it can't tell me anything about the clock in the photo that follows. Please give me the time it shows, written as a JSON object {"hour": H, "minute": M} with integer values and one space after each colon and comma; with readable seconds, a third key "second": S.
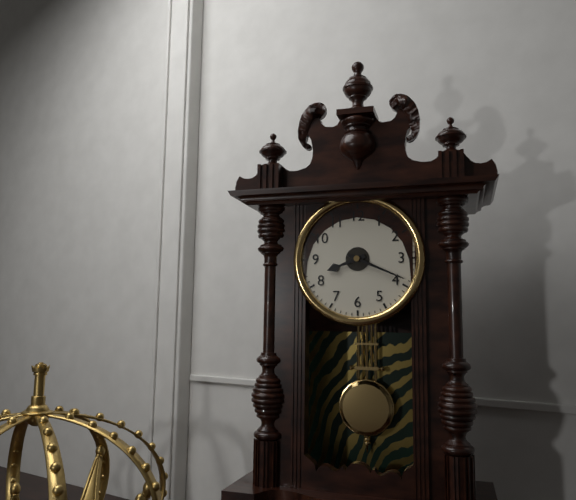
{"hour": 8, "minute": 19}
